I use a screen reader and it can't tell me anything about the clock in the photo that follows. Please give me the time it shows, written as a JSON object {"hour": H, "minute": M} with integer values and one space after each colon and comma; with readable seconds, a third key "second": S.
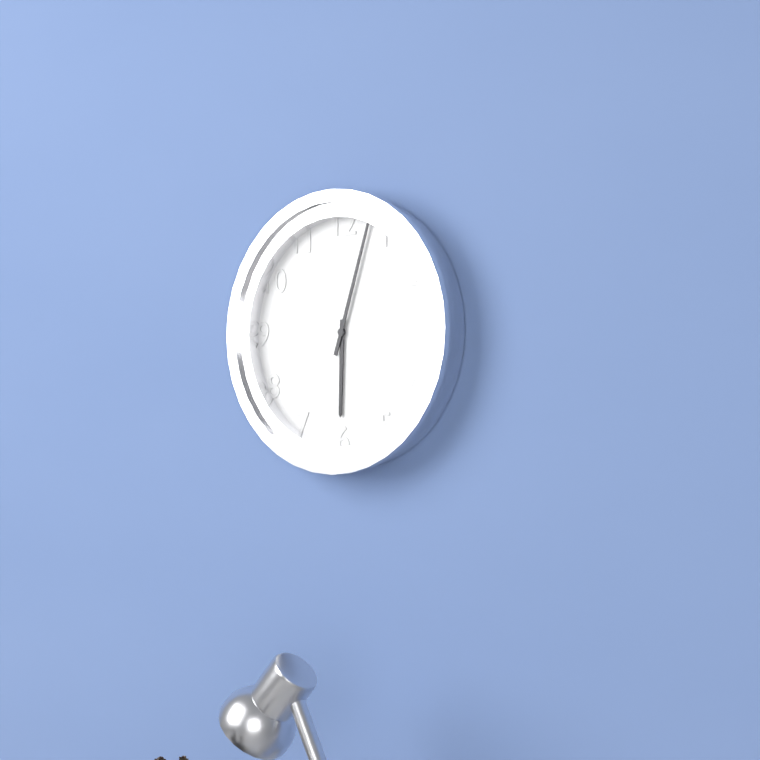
{"hour": 6, "minute": 3}
